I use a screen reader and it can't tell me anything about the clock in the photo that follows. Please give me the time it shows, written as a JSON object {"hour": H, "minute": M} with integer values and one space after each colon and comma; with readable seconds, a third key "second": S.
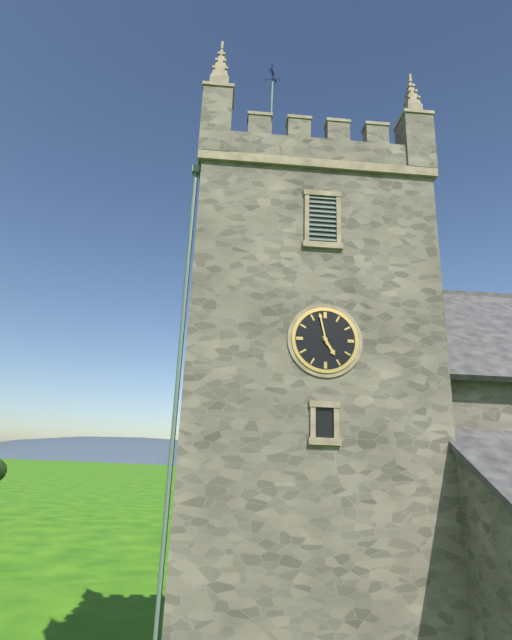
{"hour": 4, "minute": 58}
